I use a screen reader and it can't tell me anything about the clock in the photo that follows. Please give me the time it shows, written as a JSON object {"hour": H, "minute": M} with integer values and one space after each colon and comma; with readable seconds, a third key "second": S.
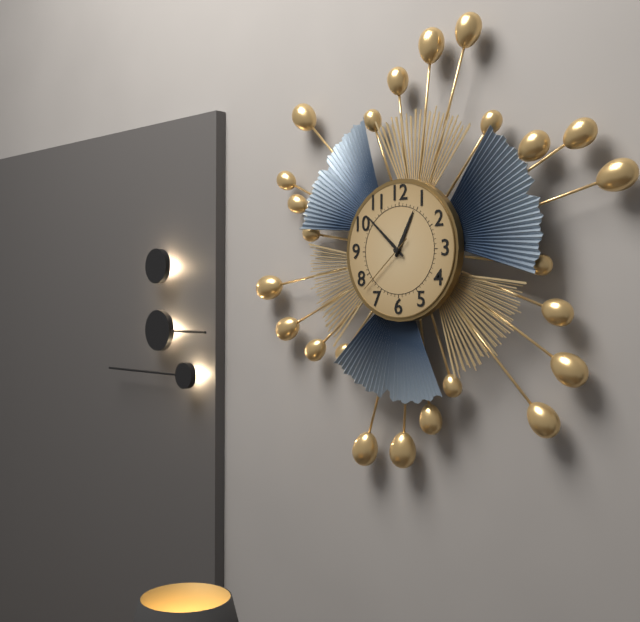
{"hour": 12, "minute": 52, "second": 38}
